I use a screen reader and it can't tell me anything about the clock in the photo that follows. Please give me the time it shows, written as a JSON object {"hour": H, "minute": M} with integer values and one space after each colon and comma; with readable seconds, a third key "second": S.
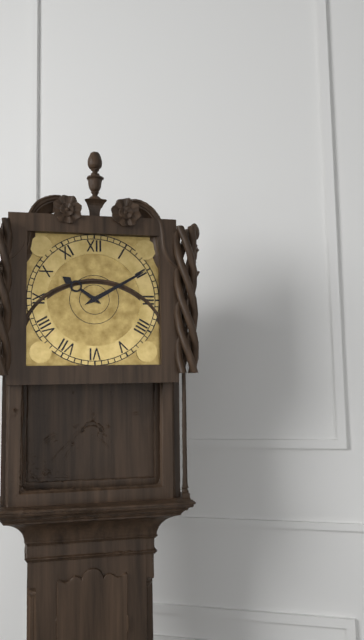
{"hour": 10, "minute": 10}
